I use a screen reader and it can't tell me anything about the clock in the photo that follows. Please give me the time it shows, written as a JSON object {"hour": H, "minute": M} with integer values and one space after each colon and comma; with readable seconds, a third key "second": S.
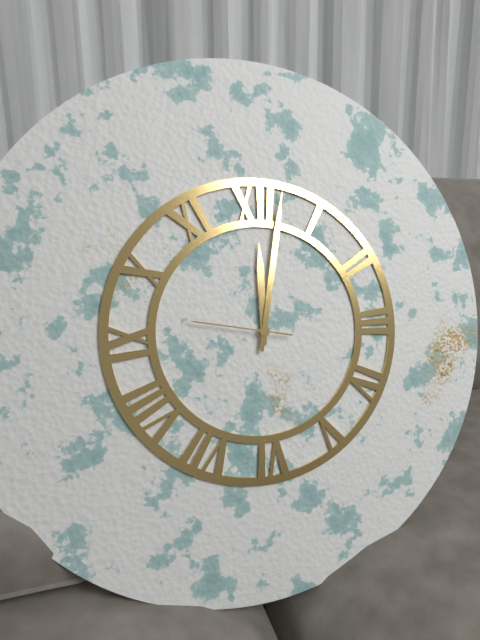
{"hour": 12, "minute": 2, "second": 47}
